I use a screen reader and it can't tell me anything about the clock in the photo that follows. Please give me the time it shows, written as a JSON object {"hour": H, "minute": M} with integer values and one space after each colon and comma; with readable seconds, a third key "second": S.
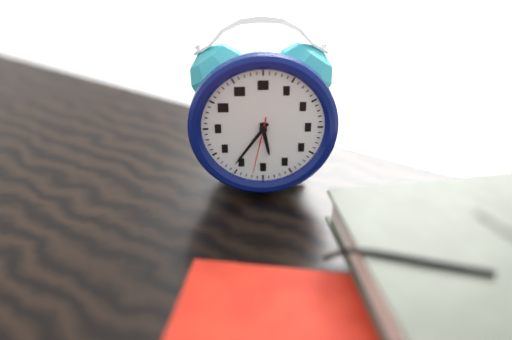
{"hour": 5, "minute": 36, "second": 32}
